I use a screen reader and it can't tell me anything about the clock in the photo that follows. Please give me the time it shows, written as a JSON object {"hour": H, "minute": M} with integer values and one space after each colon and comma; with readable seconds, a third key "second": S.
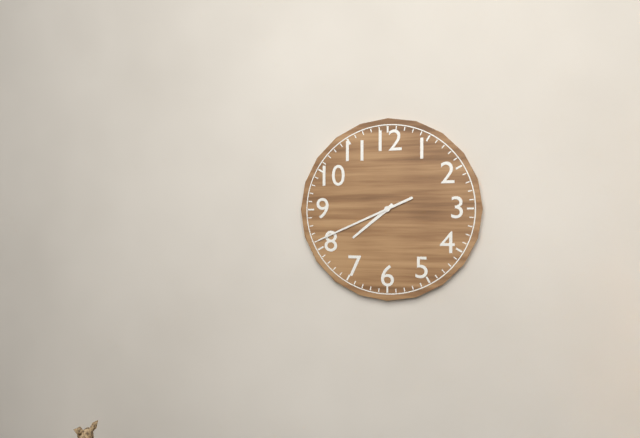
{"hour": 7, "minute": 41}
